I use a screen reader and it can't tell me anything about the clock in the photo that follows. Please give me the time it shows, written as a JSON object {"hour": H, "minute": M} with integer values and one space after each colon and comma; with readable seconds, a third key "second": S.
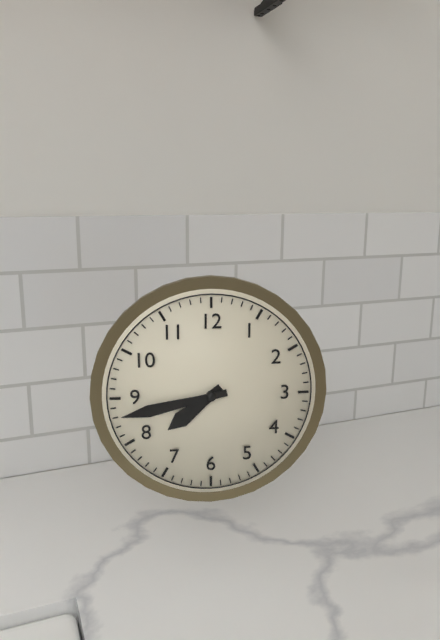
{"hour": 7, "minute": 43}
